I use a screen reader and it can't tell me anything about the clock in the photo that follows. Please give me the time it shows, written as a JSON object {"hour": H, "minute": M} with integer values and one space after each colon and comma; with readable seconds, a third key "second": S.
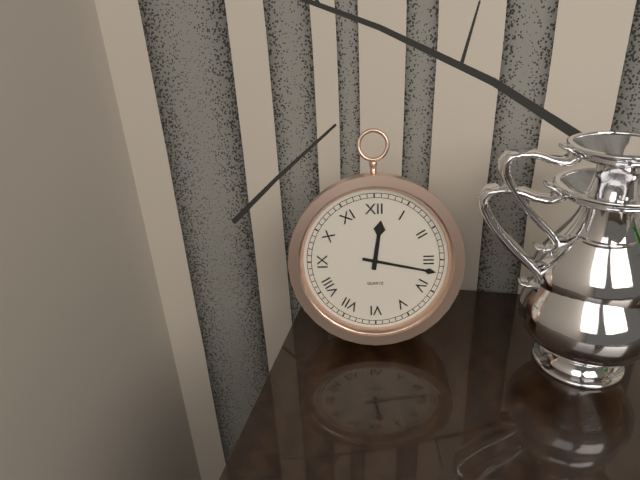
{"hour": 12, "minute": 17}
